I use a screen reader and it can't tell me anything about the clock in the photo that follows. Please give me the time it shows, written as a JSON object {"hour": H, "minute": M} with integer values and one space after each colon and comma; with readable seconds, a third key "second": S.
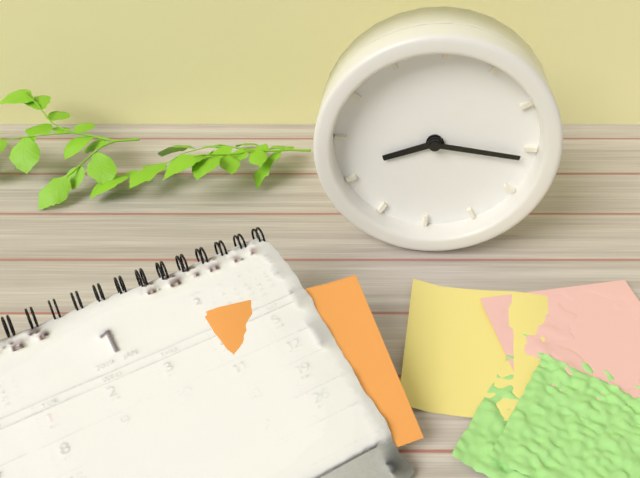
{"hour": 8, "minute": 16}
